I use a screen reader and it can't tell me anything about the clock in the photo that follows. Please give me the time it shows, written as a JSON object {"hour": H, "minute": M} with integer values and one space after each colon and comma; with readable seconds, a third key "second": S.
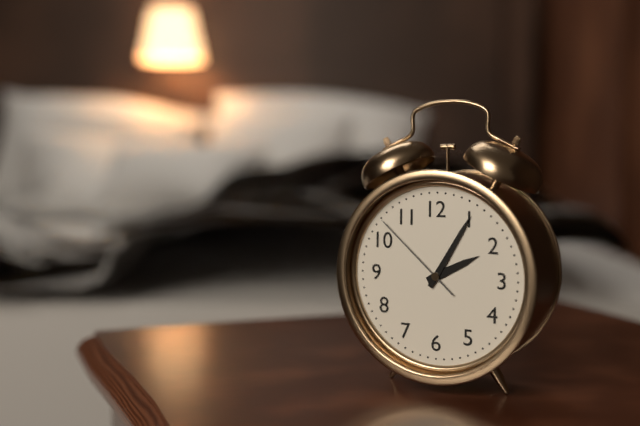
{"hour": 2, "minute": 5, "second": 52}
